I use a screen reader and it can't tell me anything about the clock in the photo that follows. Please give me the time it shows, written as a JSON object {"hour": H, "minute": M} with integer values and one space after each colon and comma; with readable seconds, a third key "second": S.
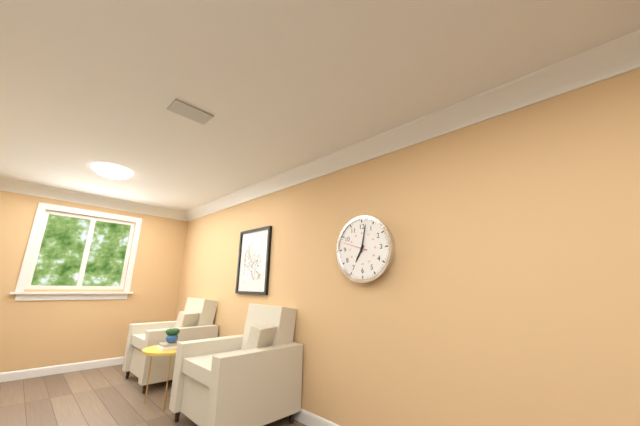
{"hour": 7, "minute": 2}
